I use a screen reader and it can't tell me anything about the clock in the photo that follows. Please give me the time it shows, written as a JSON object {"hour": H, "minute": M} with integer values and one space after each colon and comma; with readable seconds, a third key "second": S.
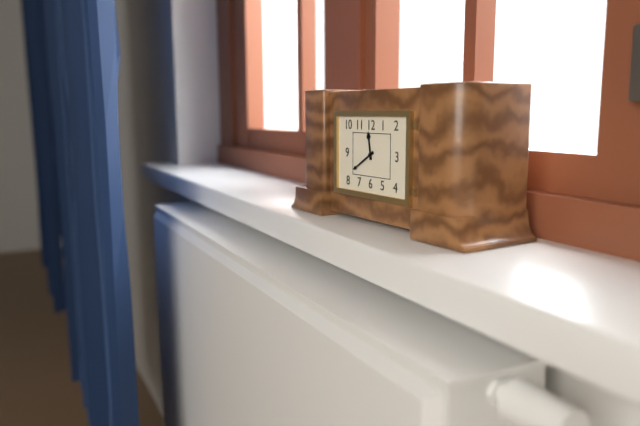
{"hour": 11, "minute": 40}
